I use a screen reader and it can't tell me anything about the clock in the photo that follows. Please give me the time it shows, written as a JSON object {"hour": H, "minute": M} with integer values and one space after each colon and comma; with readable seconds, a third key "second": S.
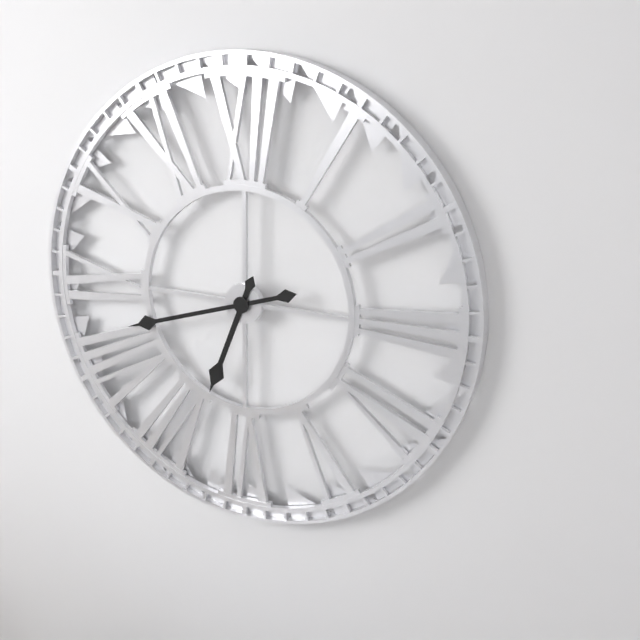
{"hour": 6, "minute": 42}
